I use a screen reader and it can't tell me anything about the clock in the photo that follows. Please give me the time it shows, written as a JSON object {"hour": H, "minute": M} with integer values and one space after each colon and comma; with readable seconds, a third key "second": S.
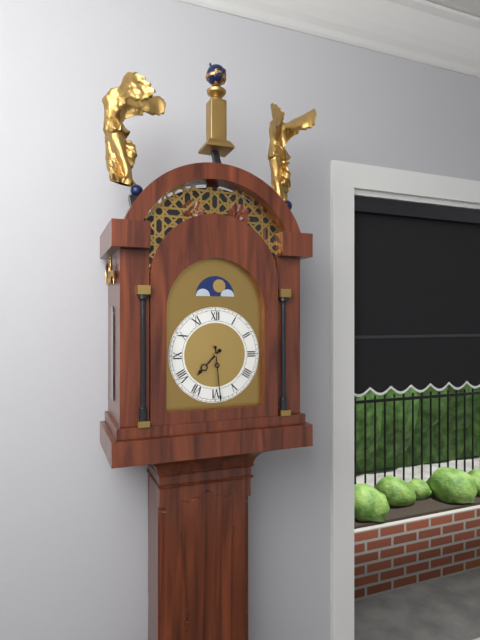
{"hour": 7, "minute": 29}
